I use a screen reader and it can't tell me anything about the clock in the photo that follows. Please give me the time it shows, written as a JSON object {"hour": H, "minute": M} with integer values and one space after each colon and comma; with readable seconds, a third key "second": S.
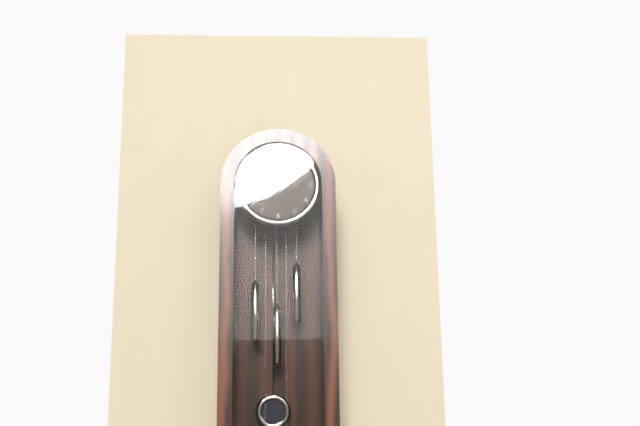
{"hour": 7, "minute": 41}
